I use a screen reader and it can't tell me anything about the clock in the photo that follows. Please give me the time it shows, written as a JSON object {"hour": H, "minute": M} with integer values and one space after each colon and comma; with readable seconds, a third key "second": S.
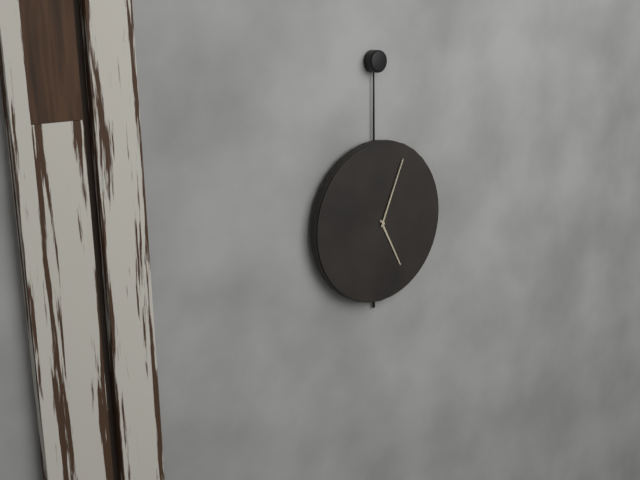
{"hour": 5, "minute": 4}
